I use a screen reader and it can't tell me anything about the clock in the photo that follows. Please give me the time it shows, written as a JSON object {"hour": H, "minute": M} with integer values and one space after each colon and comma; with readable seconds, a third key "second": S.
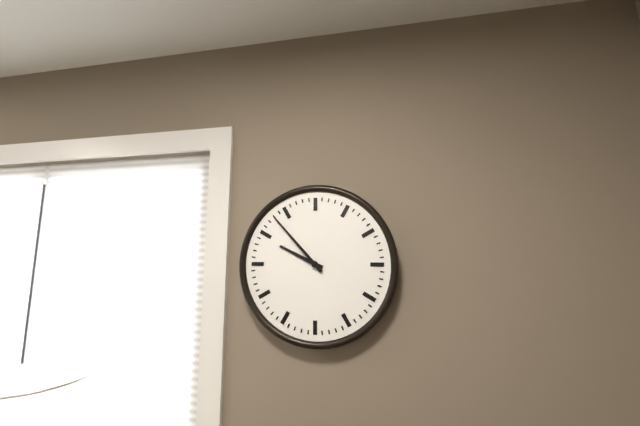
{"hour": 9, "minute": 53}
